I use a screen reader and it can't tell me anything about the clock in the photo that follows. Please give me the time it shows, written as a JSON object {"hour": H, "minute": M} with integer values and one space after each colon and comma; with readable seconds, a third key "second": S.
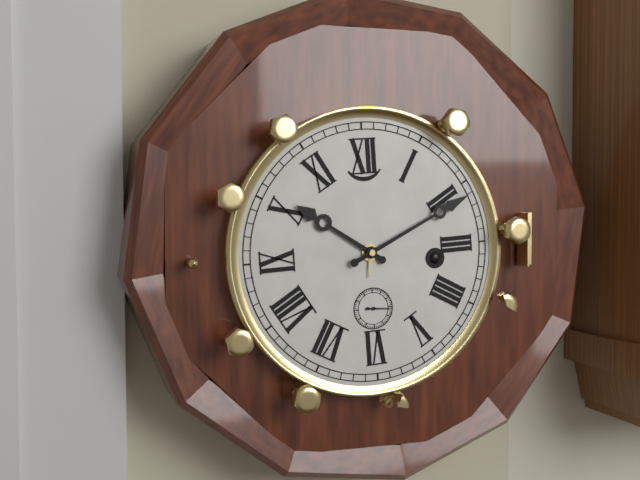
{"hour": 10, "minute": 11}
